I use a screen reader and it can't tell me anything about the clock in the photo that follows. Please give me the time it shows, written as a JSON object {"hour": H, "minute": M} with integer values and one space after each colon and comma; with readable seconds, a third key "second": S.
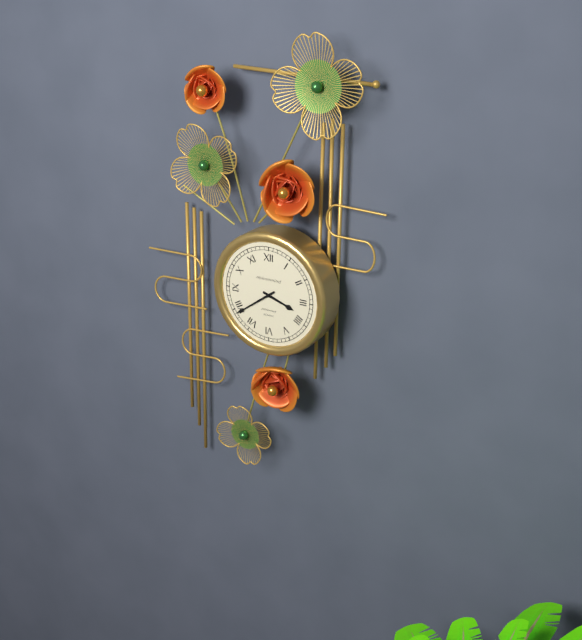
{"hour": 3, "minute": 39}
